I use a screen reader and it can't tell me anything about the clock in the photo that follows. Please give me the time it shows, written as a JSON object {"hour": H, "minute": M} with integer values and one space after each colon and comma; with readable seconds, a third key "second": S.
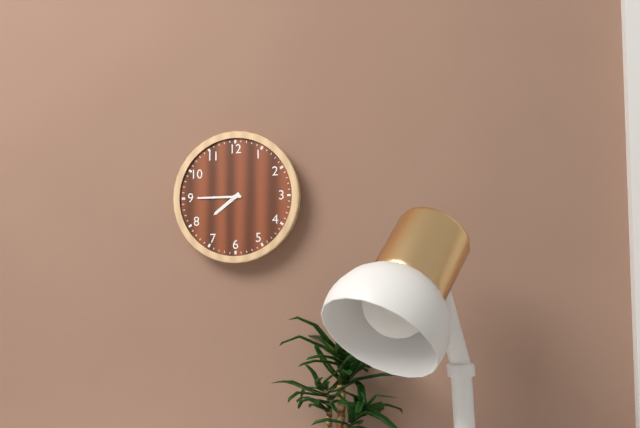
{"hour": 7, "minute": 45}
